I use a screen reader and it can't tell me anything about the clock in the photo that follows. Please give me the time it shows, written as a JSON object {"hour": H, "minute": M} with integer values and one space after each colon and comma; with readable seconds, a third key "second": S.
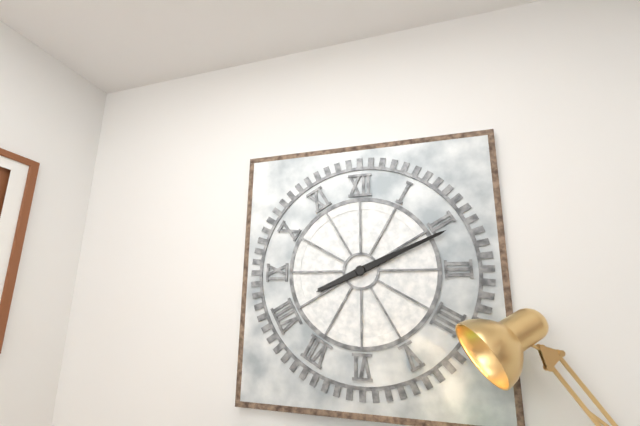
{"hour": 8, "minute": 11}
